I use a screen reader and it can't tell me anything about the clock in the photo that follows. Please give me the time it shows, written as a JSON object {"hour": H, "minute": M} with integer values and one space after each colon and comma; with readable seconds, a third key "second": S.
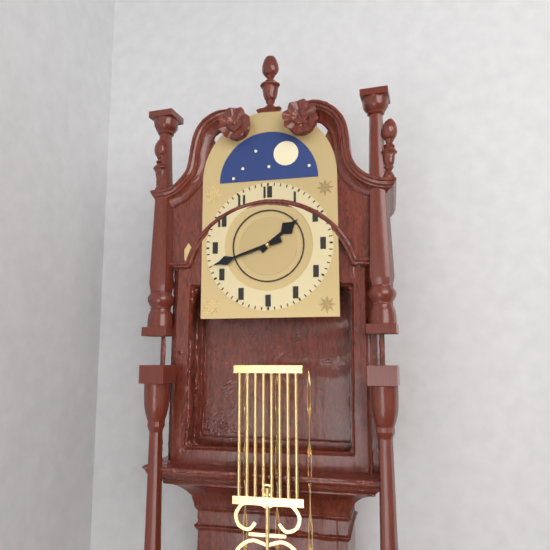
{"hour": 1, "minute": 42}
